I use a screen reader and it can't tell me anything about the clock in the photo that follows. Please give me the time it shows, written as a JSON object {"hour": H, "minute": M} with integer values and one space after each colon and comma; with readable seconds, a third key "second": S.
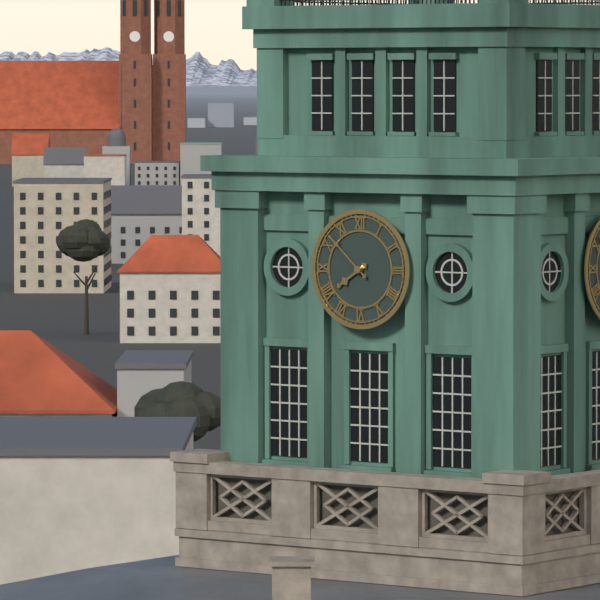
{"hour": 7, "minute": 52}
